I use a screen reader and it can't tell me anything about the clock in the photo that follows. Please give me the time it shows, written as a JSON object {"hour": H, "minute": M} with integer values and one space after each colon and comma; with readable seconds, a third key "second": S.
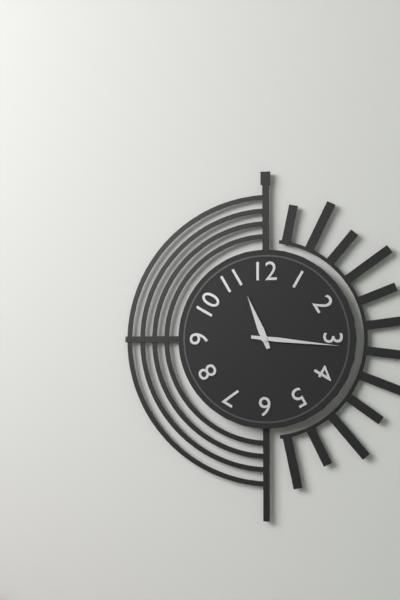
{"hour": 11, "minute": 16}
